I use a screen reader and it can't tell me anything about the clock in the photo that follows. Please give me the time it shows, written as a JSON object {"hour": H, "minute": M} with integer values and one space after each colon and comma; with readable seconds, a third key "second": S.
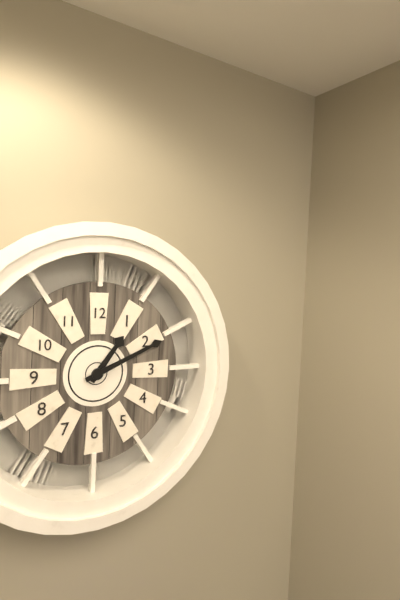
{"hour": 1, "minute": 11}
